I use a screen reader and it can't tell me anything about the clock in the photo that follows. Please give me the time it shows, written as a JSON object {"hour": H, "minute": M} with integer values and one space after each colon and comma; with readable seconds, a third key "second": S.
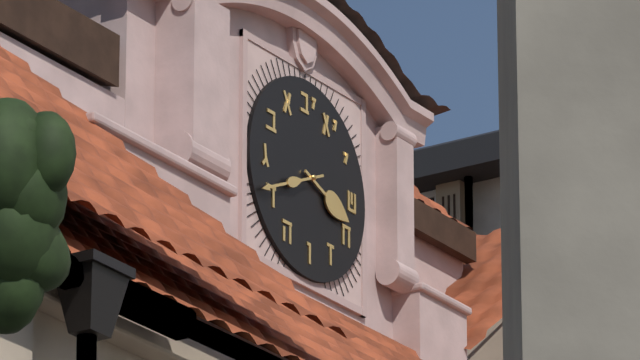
{"hour": 3, "minute": 41}
